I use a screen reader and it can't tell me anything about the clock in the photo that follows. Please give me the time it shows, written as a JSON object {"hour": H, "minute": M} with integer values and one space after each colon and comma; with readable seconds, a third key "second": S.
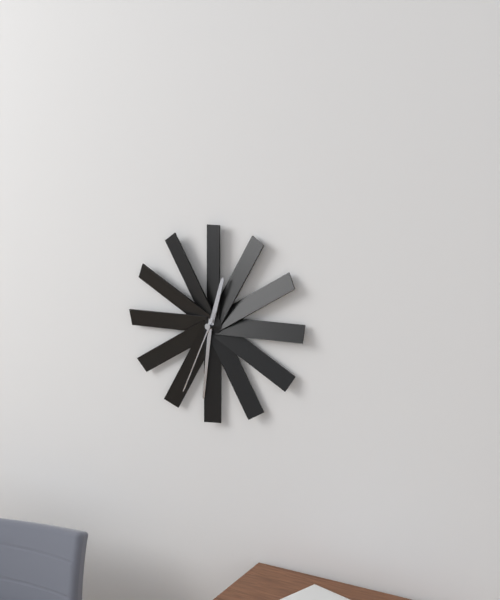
{"hour": 12, "minute": 31, "second": 34}
